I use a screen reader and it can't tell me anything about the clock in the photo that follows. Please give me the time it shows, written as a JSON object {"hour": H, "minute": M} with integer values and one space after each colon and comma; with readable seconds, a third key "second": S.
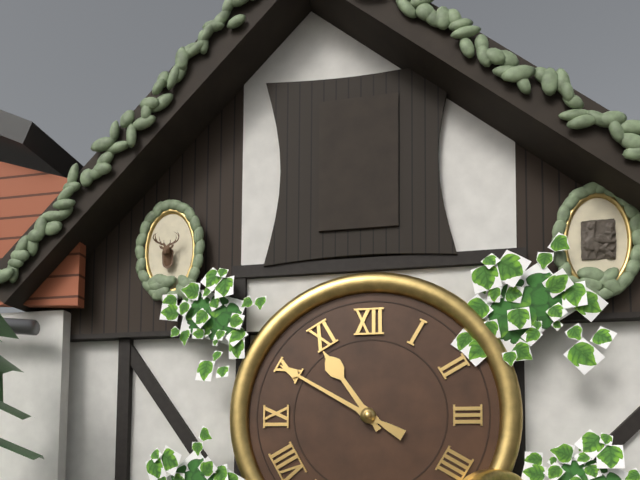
{"hour": 10, "minute": 50}
